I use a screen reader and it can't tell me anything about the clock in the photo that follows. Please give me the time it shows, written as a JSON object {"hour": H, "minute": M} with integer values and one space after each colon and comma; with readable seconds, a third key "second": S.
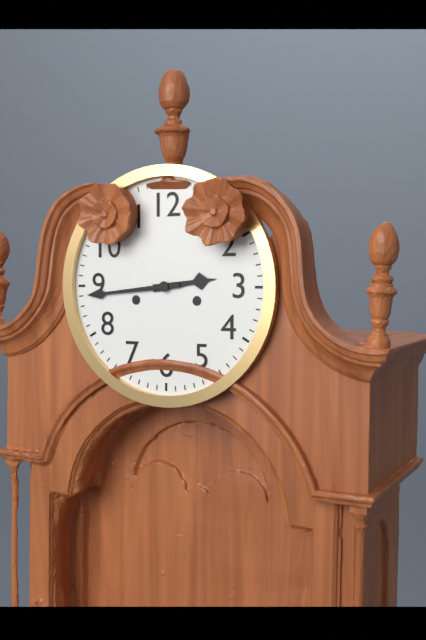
{"hour": 2, "minute": 44}
